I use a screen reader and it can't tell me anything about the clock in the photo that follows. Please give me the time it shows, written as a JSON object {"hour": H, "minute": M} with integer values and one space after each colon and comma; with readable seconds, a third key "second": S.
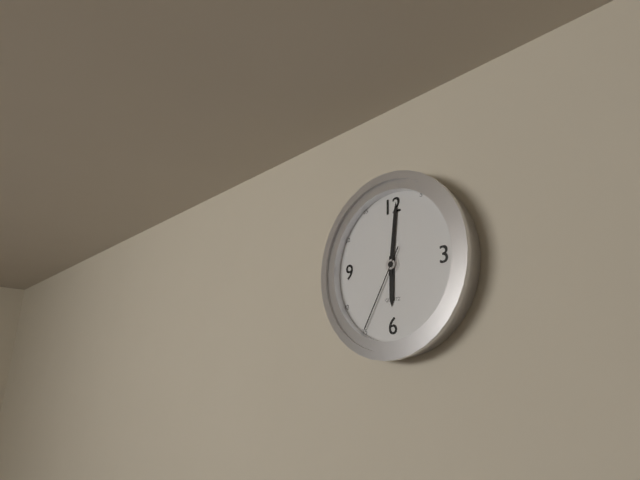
{"hour": 6, "minute": 1, "second": 35}
